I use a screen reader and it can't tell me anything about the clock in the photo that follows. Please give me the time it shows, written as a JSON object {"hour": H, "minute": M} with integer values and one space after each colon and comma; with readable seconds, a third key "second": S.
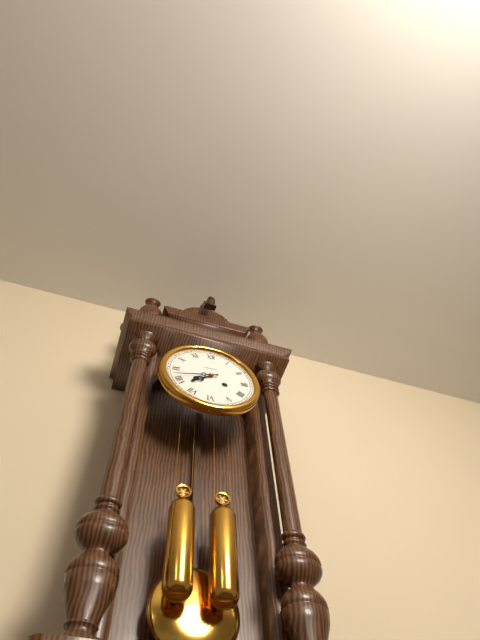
{"hour": 7, "minute": 42}
